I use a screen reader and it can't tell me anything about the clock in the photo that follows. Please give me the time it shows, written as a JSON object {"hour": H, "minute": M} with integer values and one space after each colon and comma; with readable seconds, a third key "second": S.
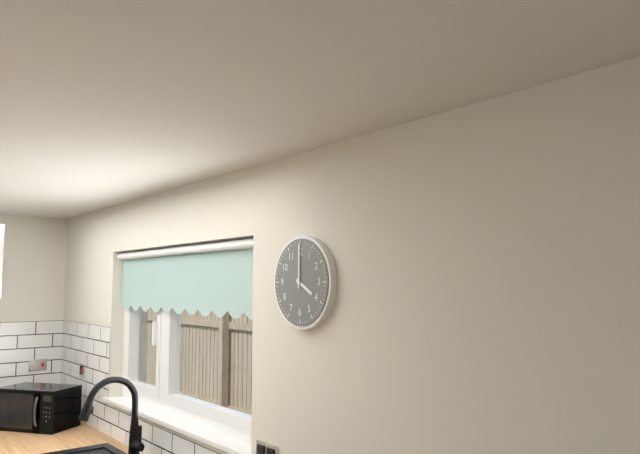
{"hour": 4, "minute": 0}
